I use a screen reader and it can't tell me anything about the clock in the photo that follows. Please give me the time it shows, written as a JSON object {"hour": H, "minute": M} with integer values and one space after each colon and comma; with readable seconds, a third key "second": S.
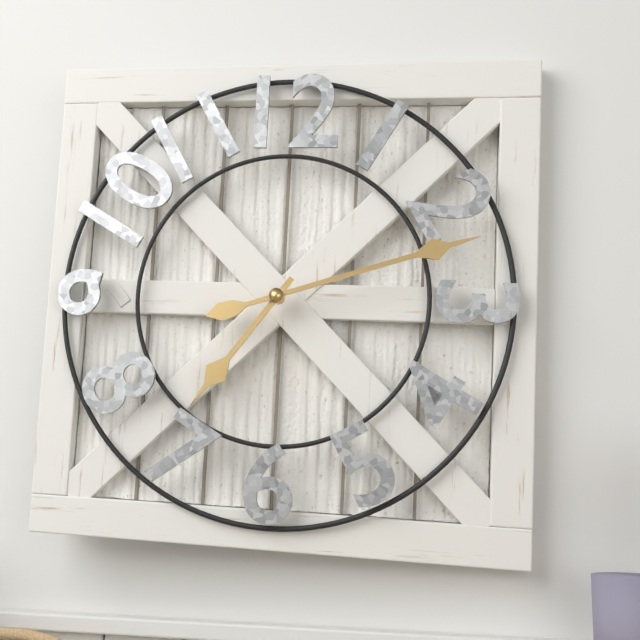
{"hour": 7, "minute": 12}
